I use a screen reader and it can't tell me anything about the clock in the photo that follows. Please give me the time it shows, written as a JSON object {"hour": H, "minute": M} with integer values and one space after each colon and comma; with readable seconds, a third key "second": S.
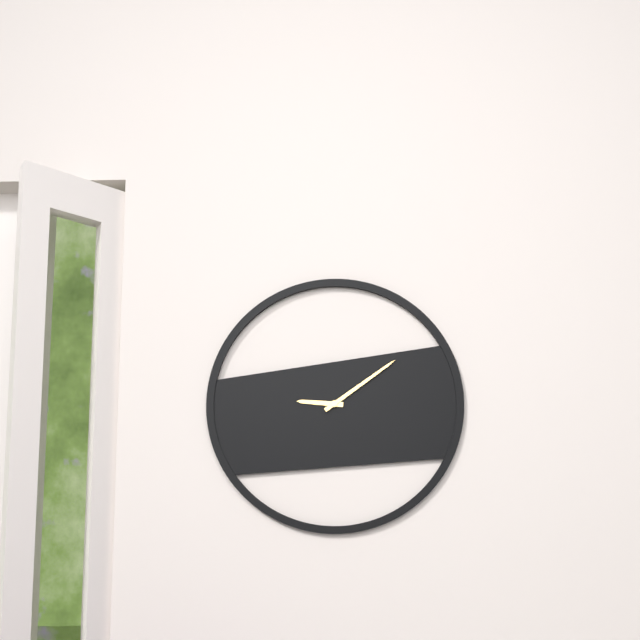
{"hour": 9, "minute": 9}
